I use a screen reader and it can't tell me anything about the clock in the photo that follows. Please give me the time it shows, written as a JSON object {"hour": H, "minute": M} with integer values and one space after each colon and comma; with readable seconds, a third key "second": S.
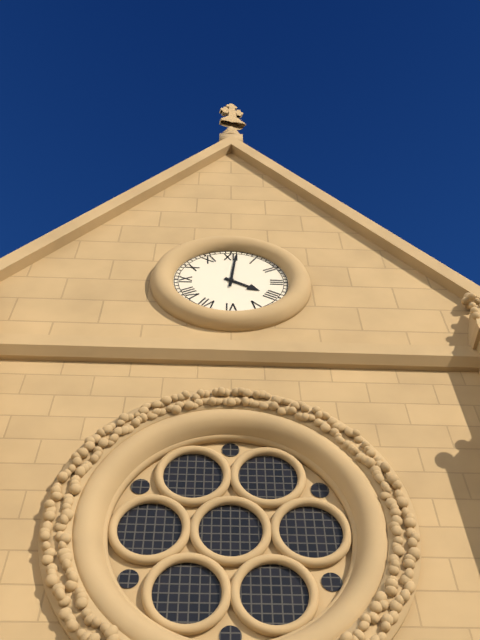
{"hour": 4, "minute": 1}
